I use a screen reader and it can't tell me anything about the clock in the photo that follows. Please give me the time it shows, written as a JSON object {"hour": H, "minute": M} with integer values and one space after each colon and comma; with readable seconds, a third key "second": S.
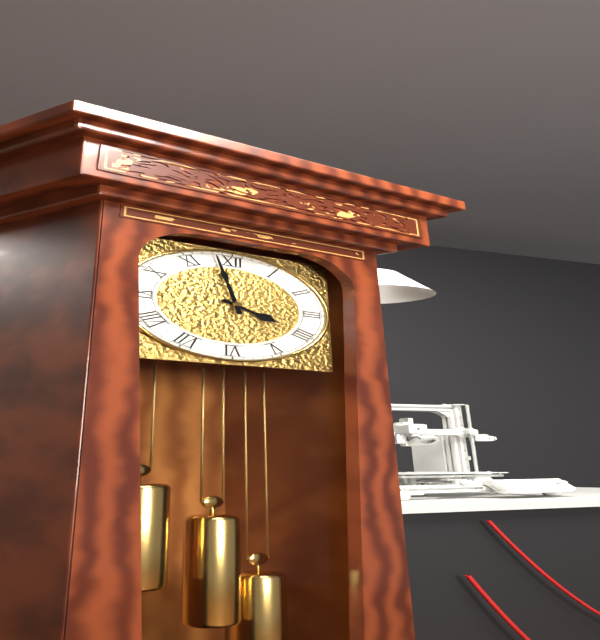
{"hour": 3, "minute": 58}
